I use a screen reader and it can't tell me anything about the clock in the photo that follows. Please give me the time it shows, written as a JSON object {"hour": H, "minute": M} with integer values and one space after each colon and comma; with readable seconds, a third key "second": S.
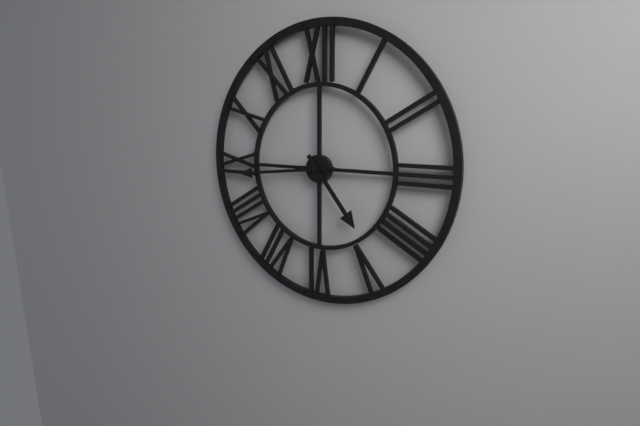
{"hour": 4, "minute": 44}
